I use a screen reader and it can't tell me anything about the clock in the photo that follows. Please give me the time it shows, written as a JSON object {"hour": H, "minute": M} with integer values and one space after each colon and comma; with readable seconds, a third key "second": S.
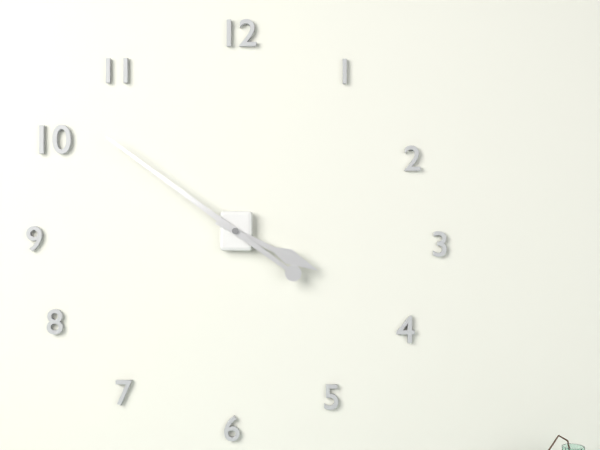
{"hour": 3, "minute": 51}
